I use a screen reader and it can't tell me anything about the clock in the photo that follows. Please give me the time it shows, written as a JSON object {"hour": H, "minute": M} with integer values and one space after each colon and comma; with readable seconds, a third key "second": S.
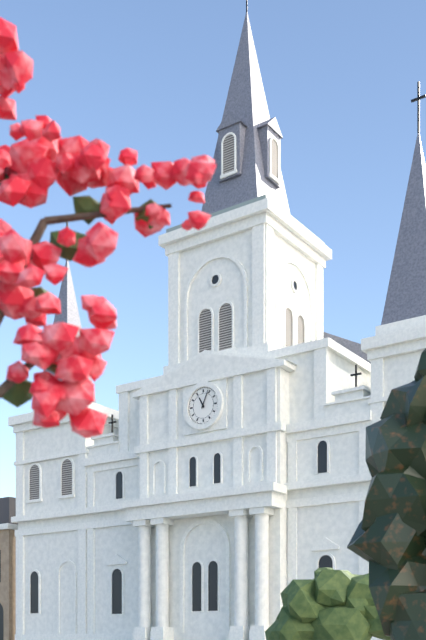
{"hour": 11, "minute": 4}
